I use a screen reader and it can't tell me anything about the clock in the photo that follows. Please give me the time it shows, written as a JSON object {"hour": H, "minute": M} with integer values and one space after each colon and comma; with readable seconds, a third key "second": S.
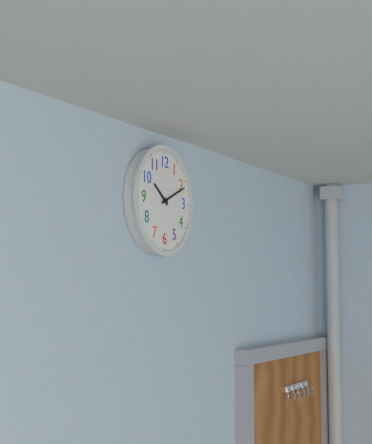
{"hour": 10, "minute": 11}
